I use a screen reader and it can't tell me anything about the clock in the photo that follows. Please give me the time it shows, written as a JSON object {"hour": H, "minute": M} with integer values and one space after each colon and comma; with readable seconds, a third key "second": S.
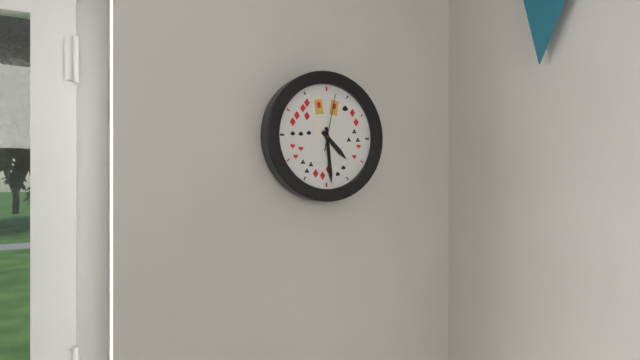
{"hour": 4, "minute": 29, "second": 2}
